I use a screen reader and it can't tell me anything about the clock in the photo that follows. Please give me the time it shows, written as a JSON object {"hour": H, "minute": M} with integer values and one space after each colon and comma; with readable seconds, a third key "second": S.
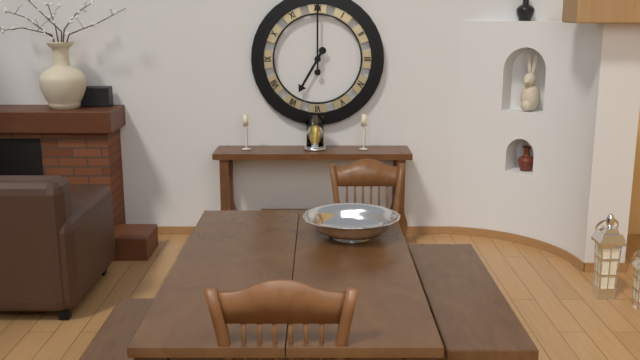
{"hour": 7, "minute": 0}
